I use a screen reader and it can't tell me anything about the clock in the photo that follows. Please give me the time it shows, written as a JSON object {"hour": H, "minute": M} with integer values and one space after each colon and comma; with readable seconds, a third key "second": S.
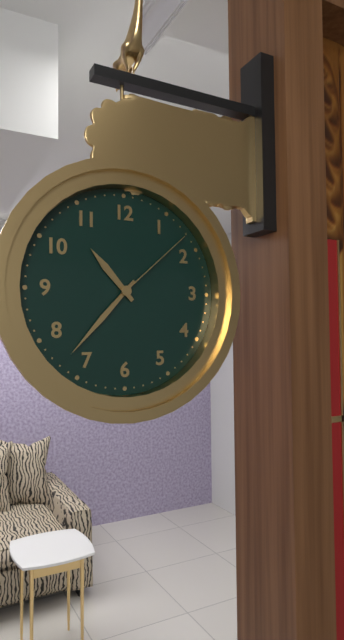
{"hour": 10, "minute": 37, "second": 8}
